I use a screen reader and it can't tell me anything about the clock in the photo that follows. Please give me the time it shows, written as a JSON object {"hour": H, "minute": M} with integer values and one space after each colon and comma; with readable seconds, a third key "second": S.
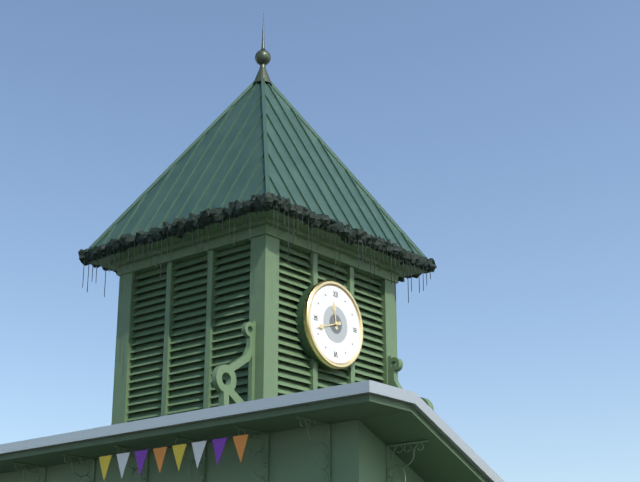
{"hour": 11, "minute": 42}
